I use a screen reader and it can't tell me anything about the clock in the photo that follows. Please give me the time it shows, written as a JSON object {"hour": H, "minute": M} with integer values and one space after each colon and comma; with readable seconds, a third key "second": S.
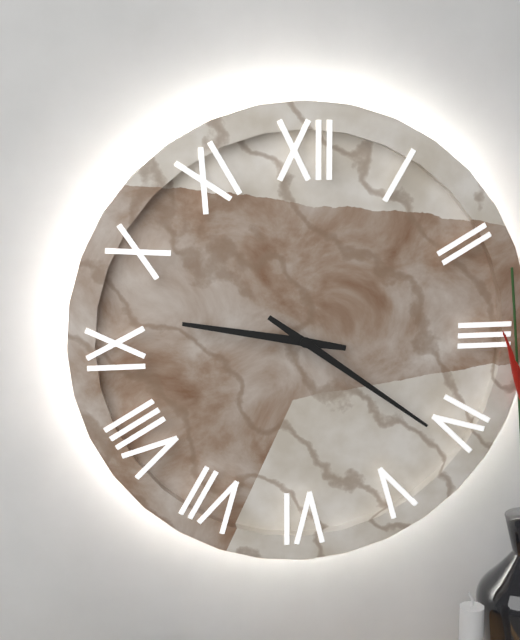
{"hour": 9, "minute": 21}
